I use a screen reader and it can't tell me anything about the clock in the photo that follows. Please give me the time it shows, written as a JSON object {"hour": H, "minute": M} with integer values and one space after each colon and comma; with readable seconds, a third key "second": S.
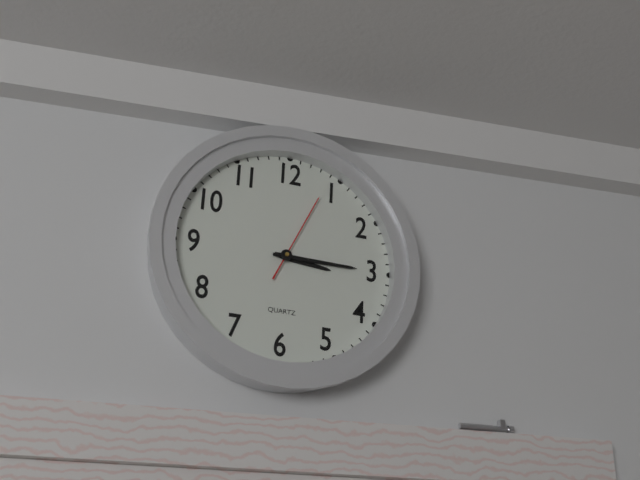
{"hour": 3, "minute": 15, "second": 4}
